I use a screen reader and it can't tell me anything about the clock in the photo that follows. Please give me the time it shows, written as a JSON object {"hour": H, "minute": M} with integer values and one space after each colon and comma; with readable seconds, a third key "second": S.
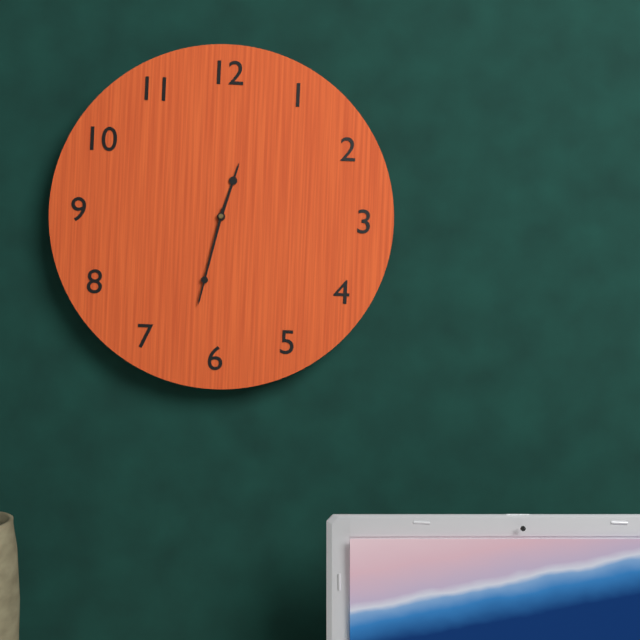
{"hour": 12, "minute": 32}
